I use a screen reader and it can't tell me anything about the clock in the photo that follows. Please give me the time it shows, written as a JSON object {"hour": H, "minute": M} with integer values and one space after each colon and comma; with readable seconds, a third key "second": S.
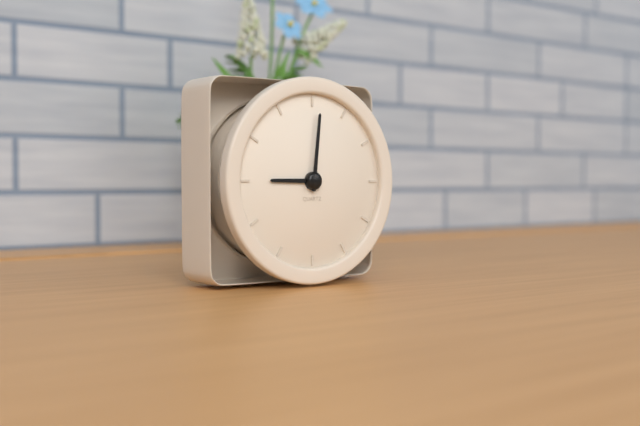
{"hour": 9, "minute": 1}
